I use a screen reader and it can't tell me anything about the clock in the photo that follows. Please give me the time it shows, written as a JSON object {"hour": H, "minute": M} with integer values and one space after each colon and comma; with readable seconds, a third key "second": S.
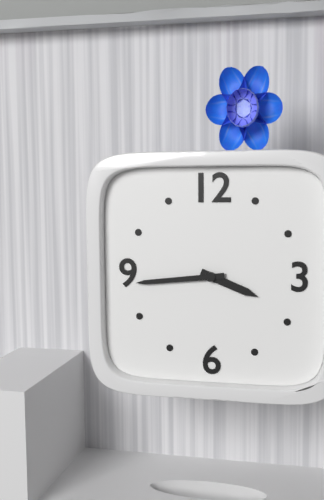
{"hour": 3, "minute": 44}
